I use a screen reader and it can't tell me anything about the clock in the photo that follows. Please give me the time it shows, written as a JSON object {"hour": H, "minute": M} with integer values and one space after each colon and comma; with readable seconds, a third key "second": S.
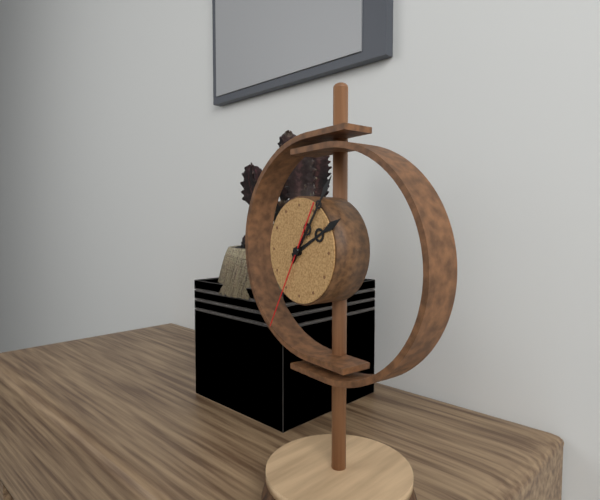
{"hour": 2, "minute": 6, "second": 35}
